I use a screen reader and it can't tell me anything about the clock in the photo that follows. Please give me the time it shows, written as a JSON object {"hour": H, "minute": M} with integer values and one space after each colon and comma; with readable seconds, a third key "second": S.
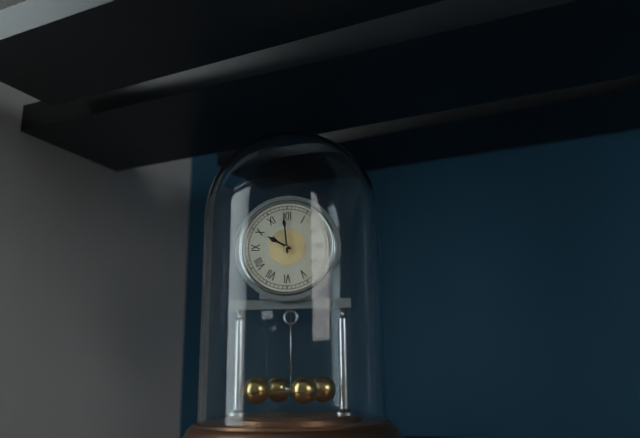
{"hour": 9, "minute": 59}
